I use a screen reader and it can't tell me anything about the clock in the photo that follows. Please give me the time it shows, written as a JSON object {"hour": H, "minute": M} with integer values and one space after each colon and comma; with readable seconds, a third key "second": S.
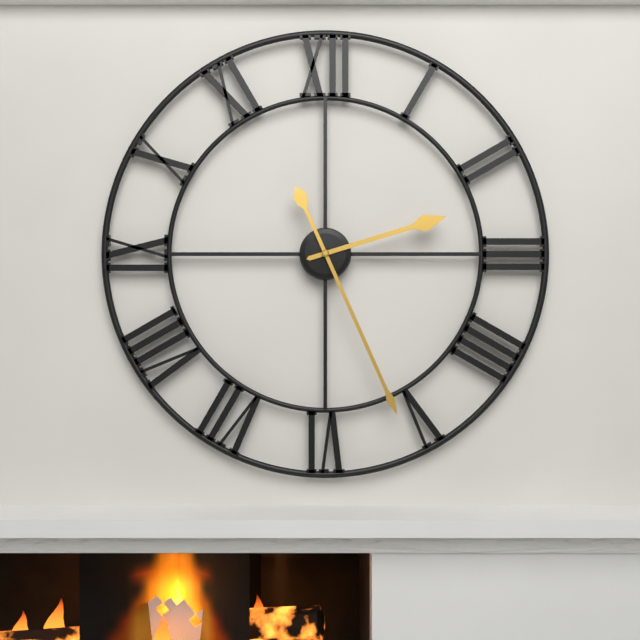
{"hour": 2, "minute": 26}
